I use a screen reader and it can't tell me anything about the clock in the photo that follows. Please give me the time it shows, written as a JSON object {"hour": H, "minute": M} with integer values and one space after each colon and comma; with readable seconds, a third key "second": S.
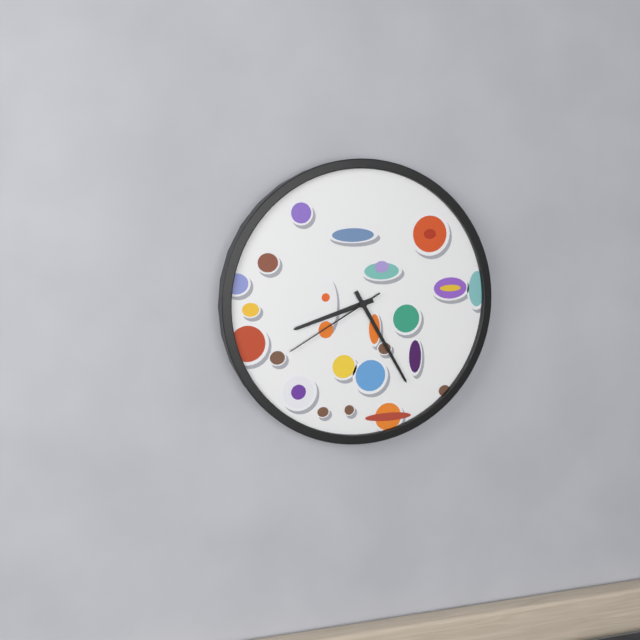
{"hour": 8, "minute": 25, "second": 40}
